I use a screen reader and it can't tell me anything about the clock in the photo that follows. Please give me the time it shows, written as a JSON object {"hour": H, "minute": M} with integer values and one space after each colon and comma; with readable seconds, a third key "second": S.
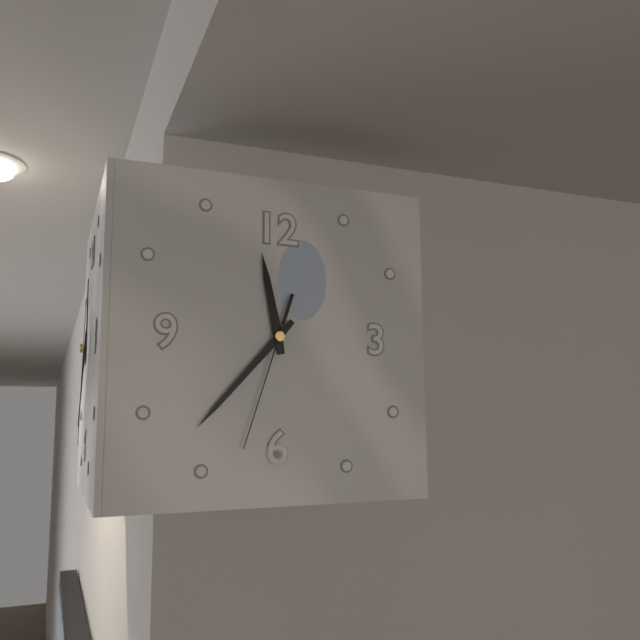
{"hour": 11, "minute": 37, "second": 33}
